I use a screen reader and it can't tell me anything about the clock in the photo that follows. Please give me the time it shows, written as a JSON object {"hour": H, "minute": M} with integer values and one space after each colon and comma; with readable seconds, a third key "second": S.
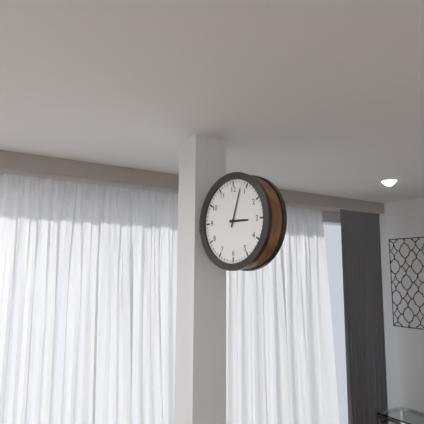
{"hour": 3, "minute": 3}
